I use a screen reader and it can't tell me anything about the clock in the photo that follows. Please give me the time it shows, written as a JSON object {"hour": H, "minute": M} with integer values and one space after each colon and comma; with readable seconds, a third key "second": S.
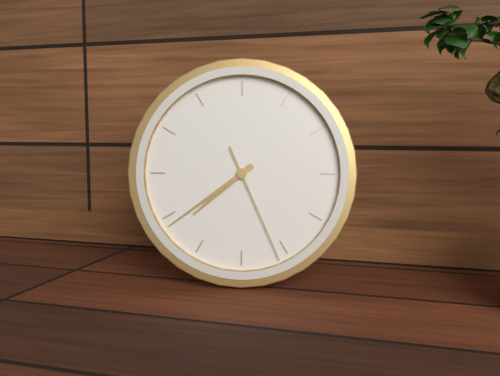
{"hour": 7, "minute": 39, "second": 26}
